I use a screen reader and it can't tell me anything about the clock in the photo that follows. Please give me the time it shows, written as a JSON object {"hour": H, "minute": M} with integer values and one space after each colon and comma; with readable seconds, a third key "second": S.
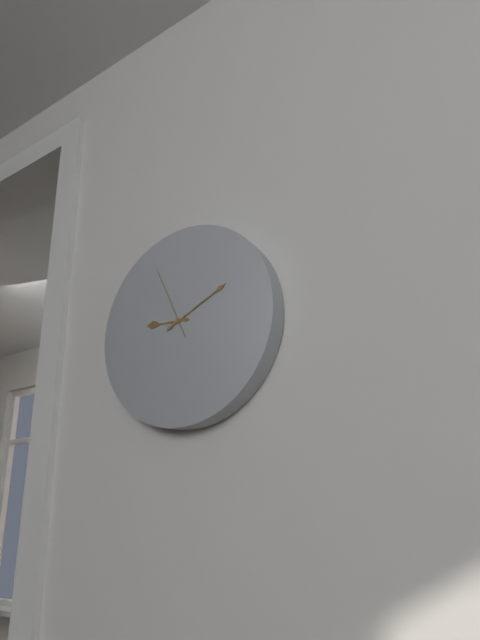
{"hour": 9, "minute": 11, "second": 56}
